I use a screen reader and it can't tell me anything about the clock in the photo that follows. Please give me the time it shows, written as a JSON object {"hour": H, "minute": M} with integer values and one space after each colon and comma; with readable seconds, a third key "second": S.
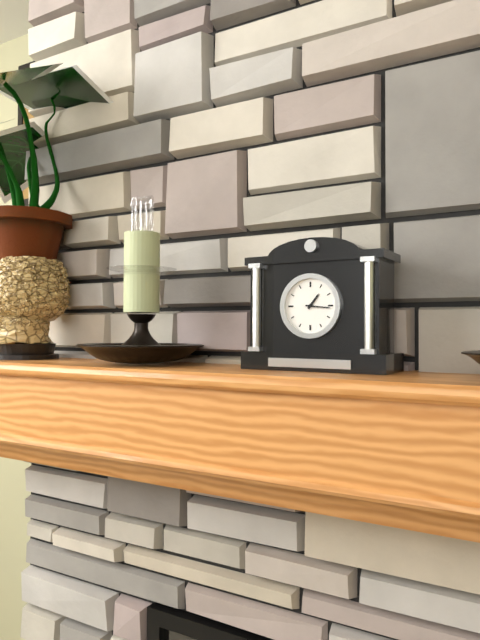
{"hour": 1, "minute": 16}
